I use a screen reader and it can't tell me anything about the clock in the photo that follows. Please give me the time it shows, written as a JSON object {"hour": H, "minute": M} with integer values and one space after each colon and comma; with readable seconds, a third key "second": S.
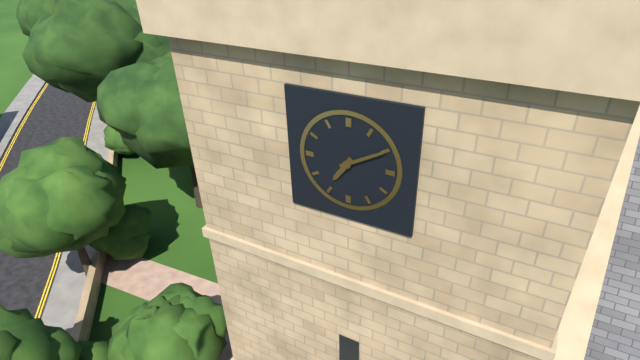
{"hour": 7, "minute": 10}
